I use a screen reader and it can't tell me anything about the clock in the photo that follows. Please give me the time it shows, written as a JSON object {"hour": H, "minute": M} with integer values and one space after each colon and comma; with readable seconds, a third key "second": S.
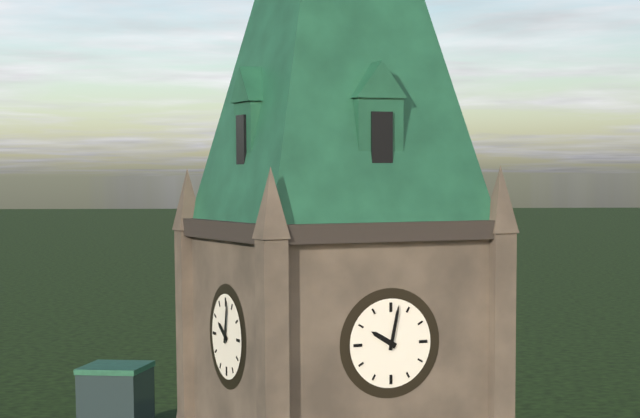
{"hour": 10, "minute": 2}
